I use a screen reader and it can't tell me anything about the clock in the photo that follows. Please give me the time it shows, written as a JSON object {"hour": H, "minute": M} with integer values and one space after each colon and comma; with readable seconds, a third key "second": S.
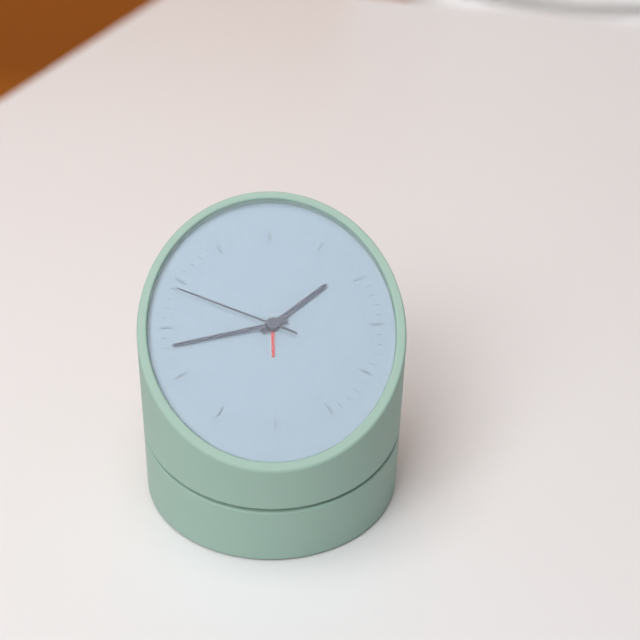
{"hour": 1, "minute": 43, "second": 49}
